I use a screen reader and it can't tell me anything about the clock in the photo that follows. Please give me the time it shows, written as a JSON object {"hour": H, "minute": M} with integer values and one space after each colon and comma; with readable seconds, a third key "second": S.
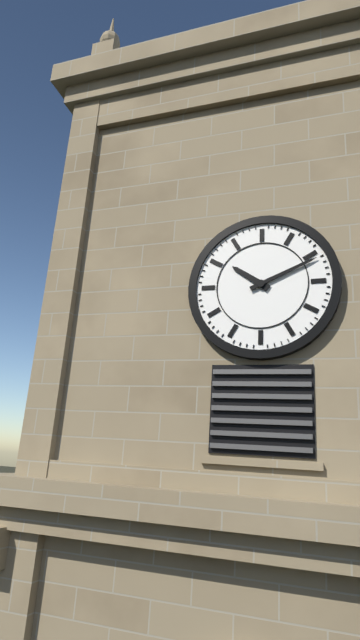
{"hour": 10, "minute": 11}
